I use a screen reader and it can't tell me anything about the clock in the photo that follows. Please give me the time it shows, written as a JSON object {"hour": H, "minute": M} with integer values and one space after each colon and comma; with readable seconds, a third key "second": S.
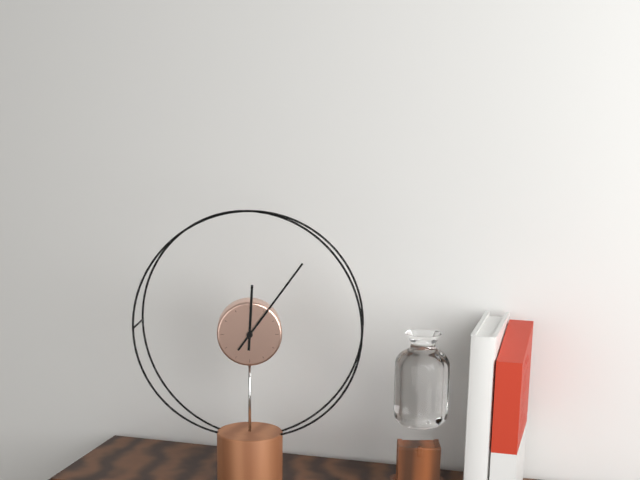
{"hour": 12, "minute": 6}
